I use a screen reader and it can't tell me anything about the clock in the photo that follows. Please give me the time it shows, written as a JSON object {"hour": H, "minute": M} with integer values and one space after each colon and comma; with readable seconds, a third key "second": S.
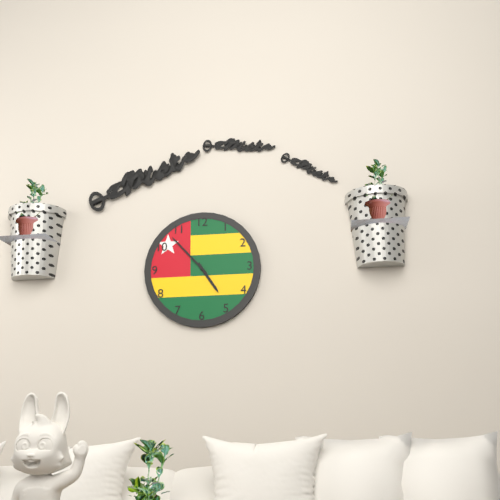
{"hour": 4, "minute": 53}
